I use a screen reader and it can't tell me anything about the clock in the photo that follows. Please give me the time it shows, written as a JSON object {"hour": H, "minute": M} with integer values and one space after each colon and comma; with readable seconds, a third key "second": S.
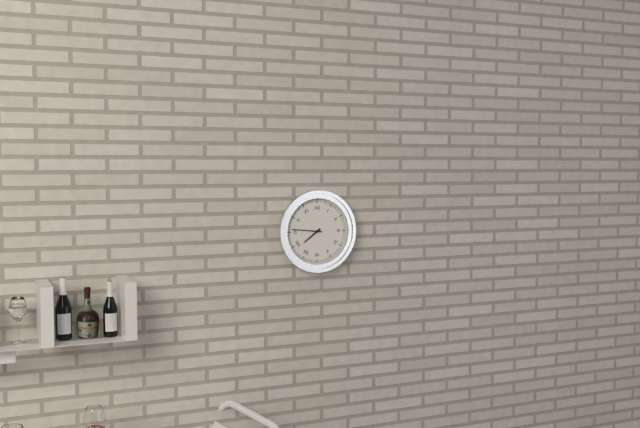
{"hour": 7, "minute": 46}
